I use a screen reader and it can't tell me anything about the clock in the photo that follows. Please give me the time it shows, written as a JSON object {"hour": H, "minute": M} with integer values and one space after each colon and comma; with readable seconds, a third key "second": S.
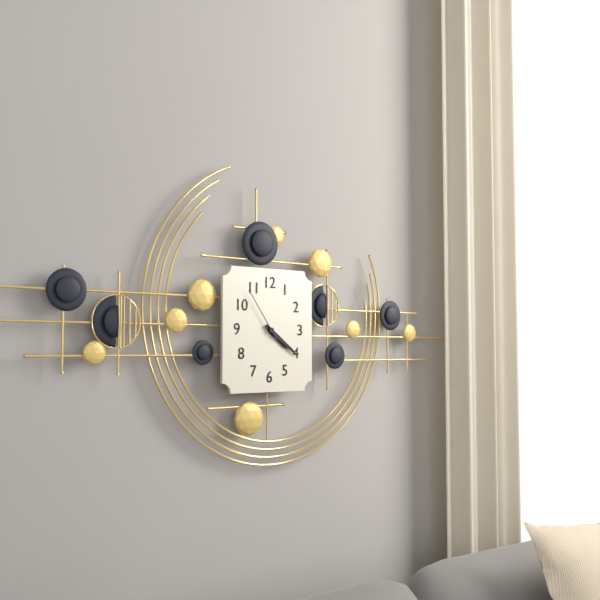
{"hour": 4, "minute": 21, "second": 54}
